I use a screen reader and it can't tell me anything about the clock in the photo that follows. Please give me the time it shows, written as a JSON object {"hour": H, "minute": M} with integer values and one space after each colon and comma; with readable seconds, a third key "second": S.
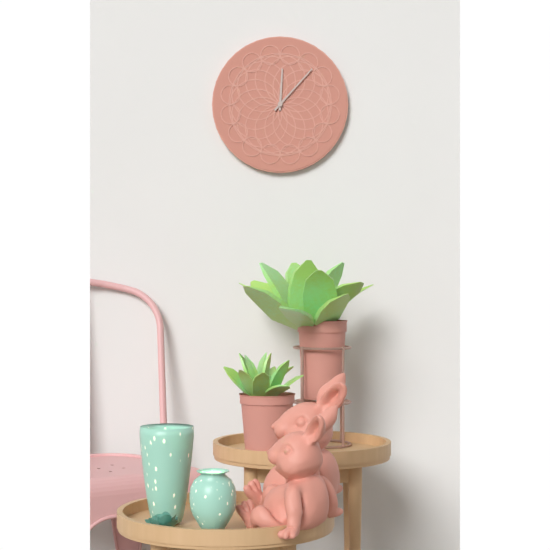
{"hour": 12, "minute": 7}
